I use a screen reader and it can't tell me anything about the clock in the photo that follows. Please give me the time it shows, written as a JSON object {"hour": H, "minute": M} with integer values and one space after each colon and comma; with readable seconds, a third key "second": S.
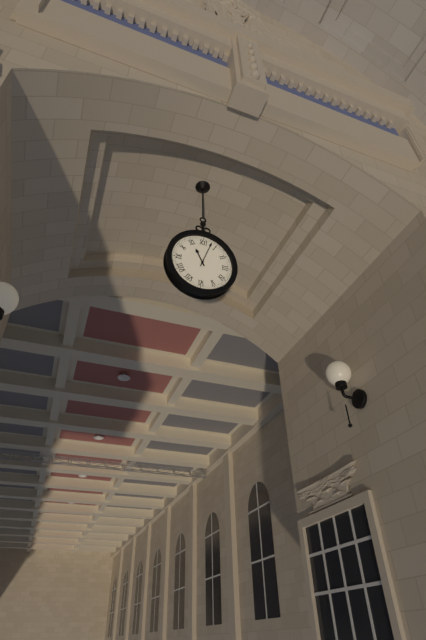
{"hour": 11, "minute": 3}
